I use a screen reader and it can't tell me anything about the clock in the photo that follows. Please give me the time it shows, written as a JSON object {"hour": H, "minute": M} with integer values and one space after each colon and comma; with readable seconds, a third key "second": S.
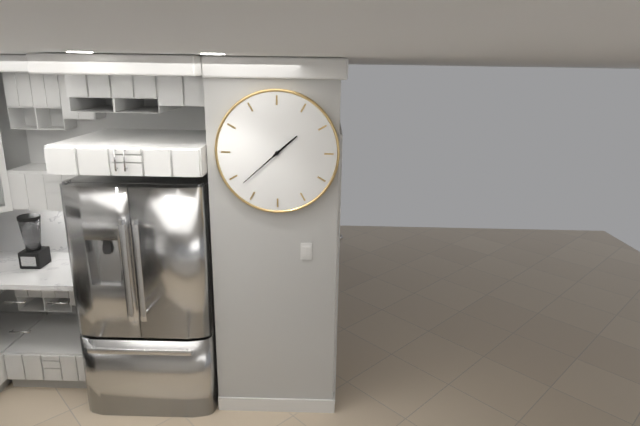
{"hour": 1, "minute": 38}
